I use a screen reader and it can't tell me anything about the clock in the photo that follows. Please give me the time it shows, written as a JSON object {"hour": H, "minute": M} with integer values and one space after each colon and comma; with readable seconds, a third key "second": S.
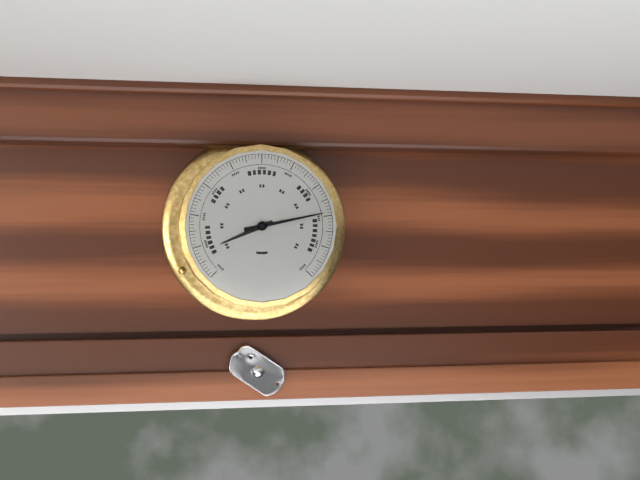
{"hour": 8, "minute": 13}
